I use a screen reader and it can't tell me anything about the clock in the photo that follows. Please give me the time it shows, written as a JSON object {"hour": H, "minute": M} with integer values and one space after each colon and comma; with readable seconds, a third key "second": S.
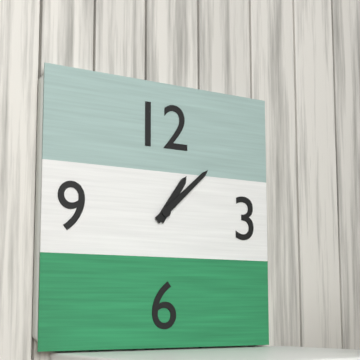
{"hour": 1, "minute": 8}
